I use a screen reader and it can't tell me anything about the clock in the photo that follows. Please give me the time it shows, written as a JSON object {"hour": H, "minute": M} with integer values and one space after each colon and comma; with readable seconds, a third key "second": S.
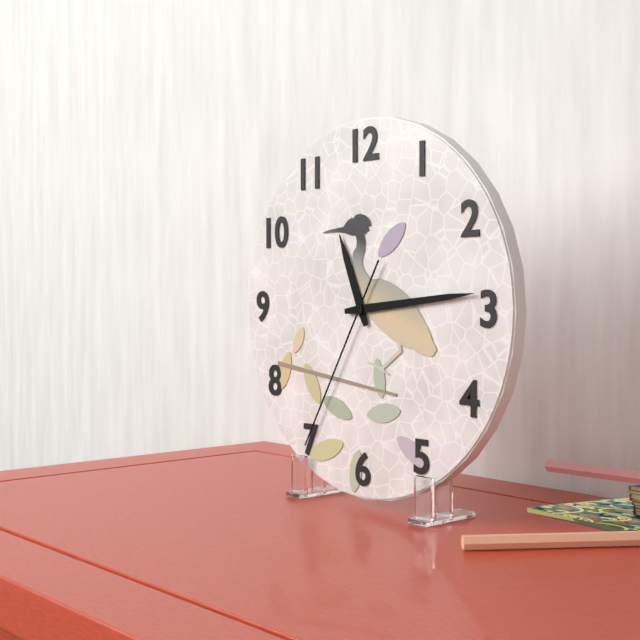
{"hour": 11, "minute": 14, "second": 35}
